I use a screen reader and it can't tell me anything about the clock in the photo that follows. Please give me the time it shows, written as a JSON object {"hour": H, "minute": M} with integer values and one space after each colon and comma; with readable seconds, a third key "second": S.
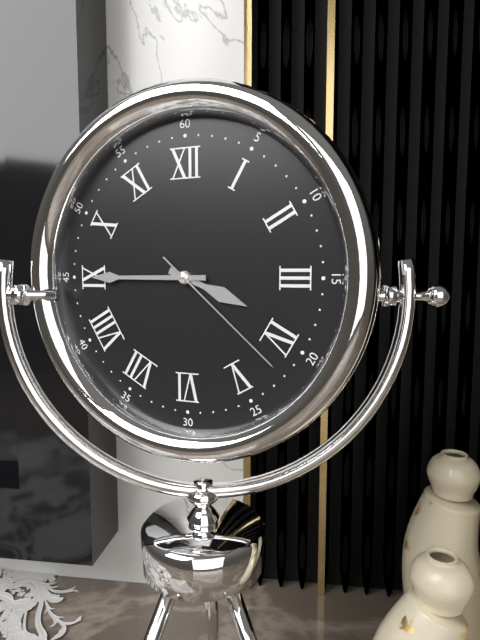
{"hour": 3, "minute": 45, "second": 22}
